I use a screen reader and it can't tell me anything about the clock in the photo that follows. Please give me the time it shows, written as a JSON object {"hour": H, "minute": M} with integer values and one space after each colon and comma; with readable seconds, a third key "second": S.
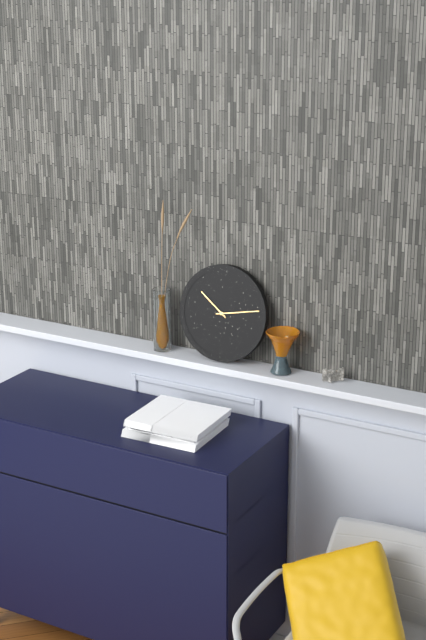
{"hour": 10, "minute": 13}
